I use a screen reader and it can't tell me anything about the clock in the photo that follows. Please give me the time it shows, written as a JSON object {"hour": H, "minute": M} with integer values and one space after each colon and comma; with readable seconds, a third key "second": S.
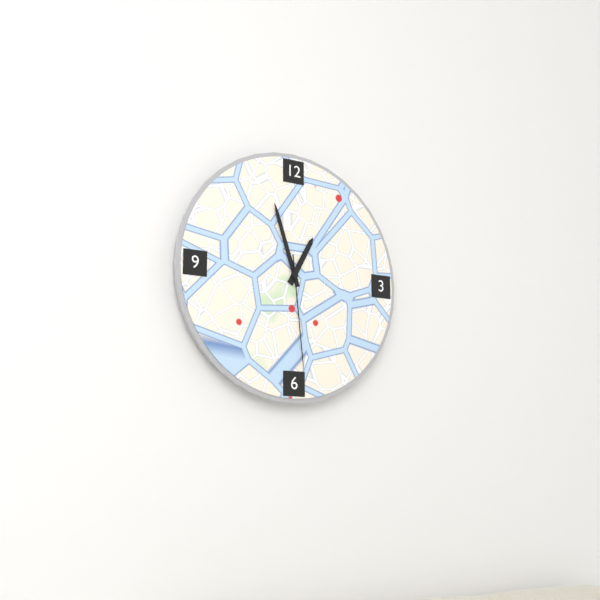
{"hour": 12, "minute": 57, "second": 29}
